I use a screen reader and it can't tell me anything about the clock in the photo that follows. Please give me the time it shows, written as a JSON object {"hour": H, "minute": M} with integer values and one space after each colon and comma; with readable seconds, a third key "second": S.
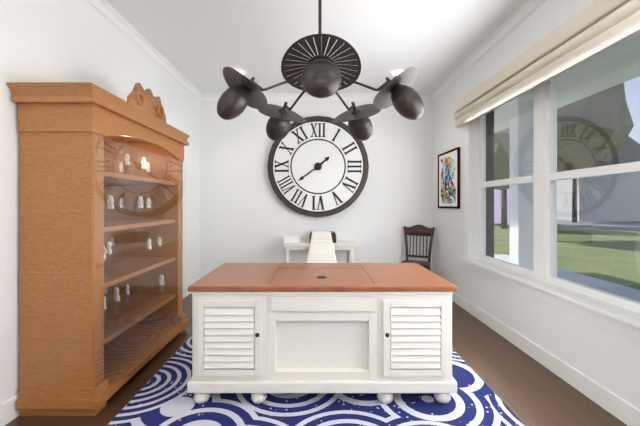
{"hour": 1, "minute": 39}
